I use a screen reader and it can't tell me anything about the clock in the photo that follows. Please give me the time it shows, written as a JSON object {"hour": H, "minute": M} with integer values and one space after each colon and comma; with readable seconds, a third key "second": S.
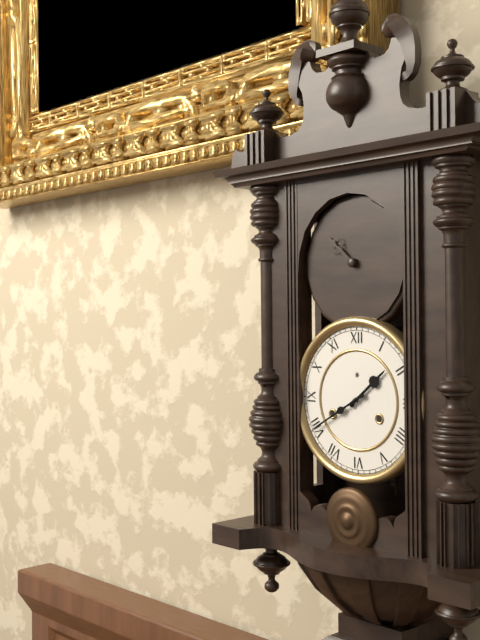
{"hour": 1, "minute": 40}
